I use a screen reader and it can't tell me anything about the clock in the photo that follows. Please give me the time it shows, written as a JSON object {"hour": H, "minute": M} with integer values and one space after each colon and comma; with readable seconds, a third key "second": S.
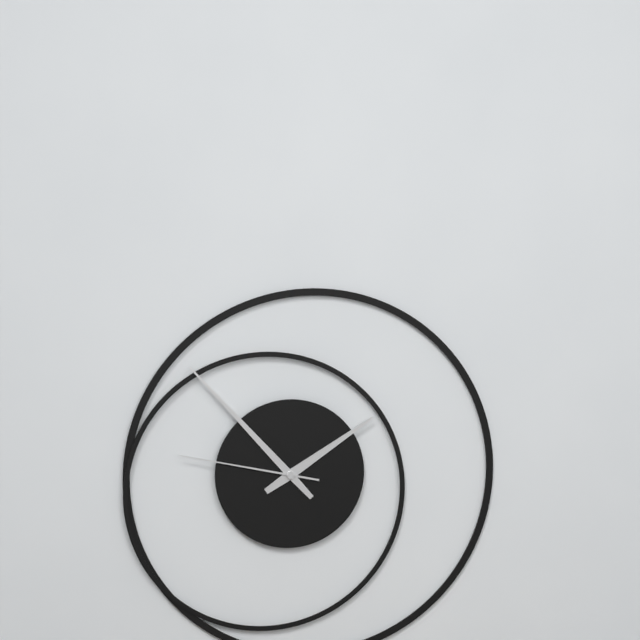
{"hour": 1, "minute": 53, "second": 47}
